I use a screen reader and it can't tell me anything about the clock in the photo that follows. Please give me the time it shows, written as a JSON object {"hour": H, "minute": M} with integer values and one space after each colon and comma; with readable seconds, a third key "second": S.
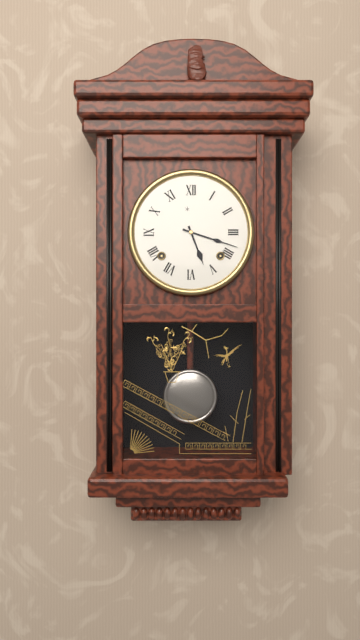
{"hour": 5, "minute": 18}
